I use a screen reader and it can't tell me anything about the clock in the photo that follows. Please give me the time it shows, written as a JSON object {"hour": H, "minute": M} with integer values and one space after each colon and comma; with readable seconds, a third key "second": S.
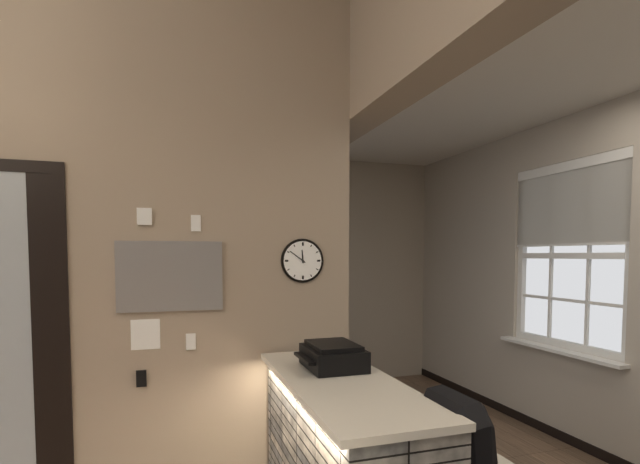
{"hour": 11, "minute": 51}
